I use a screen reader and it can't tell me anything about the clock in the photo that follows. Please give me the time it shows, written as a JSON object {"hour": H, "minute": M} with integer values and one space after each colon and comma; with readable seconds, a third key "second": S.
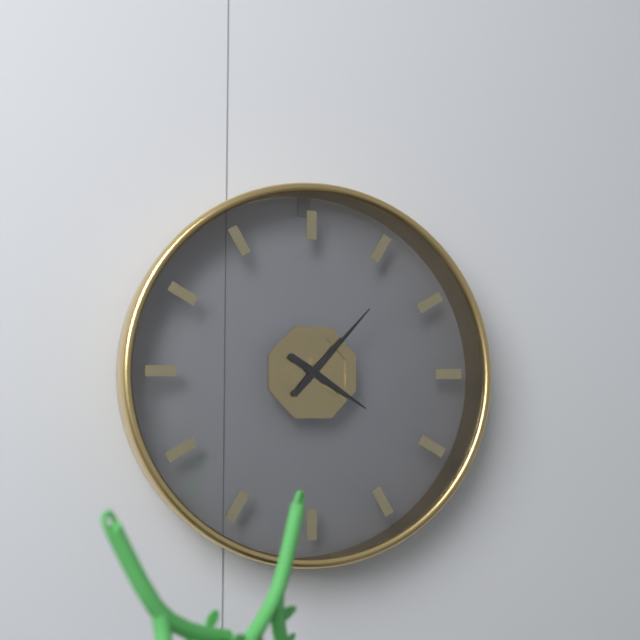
{"hour": 4, "minute": 7}
